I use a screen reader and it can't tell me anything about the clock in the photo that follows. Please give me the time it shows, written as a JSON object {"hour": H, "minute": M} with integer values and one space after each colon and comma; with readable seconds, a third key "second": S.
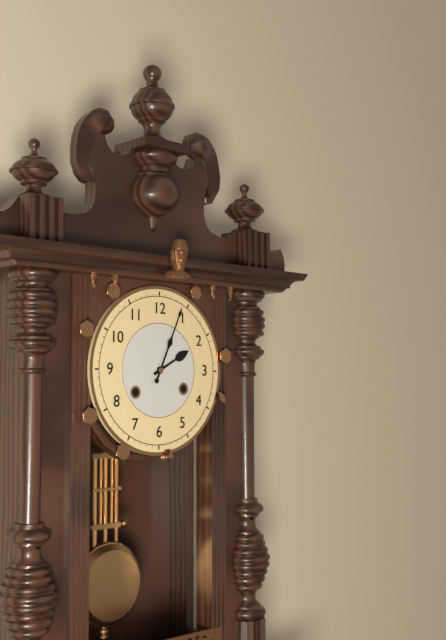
{"hour": 2, "minute": 4}
